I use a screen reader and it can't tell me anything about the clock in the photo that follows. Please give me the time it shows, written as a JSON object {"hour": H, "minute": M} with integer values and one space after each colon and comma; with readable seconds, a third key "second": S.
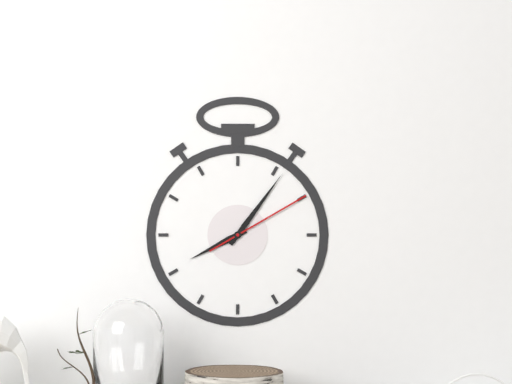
{"hour": 8, "minute": 6, "second": 10}
